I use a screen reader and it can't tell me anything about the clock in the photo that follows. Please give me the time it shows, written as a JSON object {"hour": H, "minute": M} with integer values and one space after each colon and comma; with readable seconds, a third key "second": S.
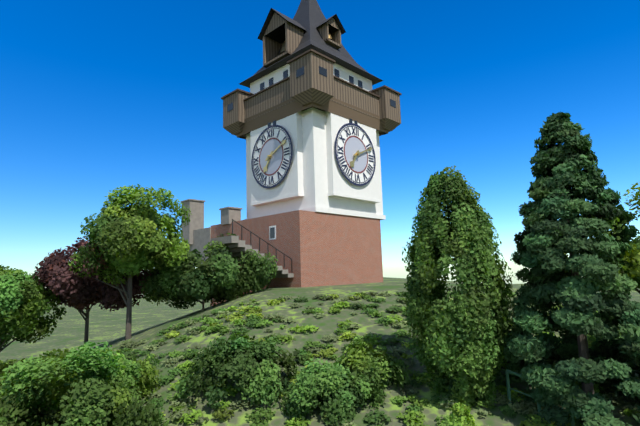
{"hour": 7, "minute": 11}
